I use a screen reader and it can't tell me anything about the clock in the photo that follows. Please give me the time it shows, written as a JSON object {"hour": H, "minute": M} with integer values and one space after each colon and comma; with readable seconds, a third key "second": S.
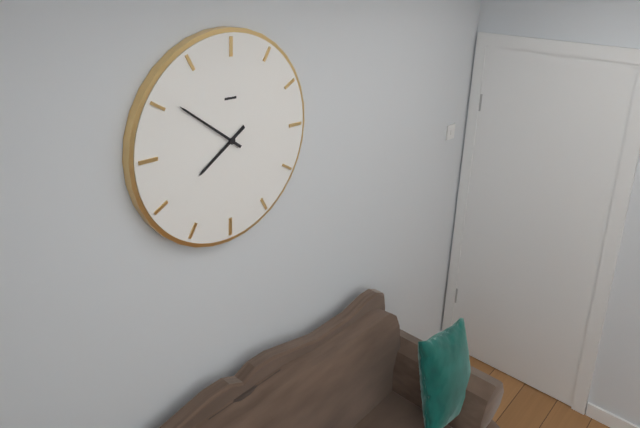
{"hour": 7, "minute": 51}
